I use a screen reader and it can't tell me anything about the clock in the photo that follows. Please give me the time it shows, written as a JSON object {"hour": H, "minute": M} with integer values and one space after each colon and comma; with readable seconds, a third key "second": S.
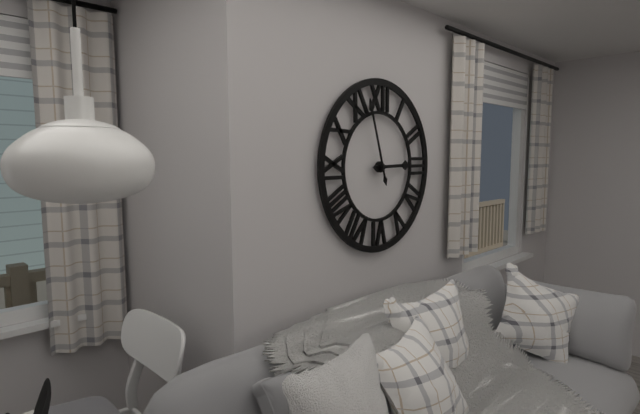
{"hour": 2, "minute": 57}
